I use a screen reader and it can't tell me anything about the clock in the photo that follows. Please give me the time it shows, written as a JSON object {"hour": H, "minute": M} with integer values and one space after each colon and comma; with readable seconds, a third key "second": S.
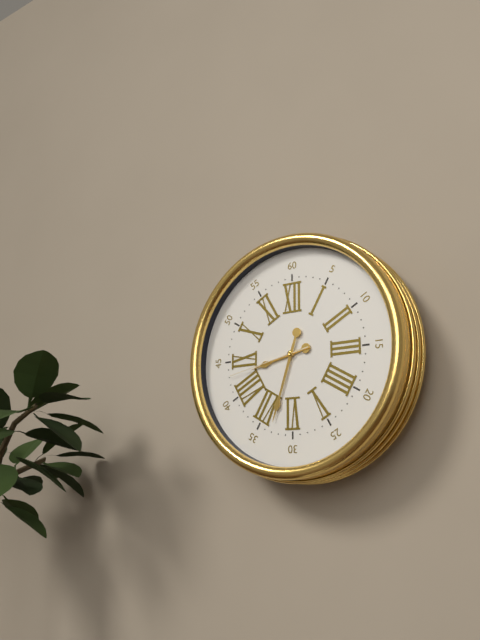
{"hour": 8, "minute": 33, "second": 43}
